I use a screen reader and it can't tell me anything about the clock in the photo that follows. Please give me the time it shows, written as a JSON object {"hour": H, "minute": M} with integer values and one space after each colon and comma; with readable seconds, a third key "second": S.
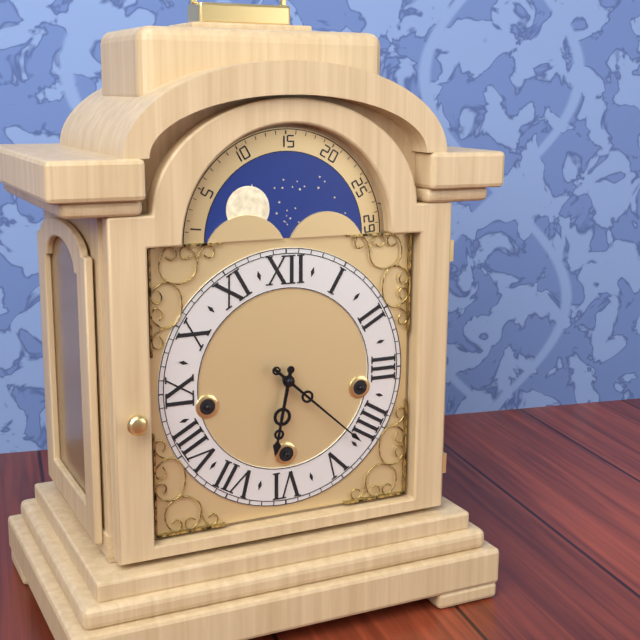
{"hour": 6, "minute": 22}
